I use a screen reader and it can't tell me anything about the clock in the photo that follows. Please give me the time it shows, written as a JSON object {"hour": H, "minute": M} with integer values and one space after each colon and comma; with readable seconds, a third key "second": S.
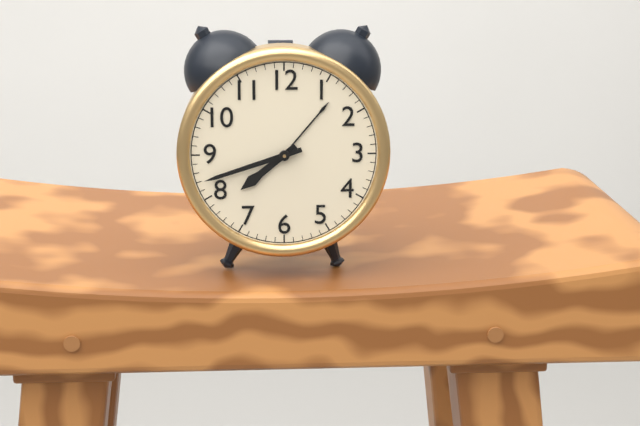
{"hour": 7, "minute": 42}
